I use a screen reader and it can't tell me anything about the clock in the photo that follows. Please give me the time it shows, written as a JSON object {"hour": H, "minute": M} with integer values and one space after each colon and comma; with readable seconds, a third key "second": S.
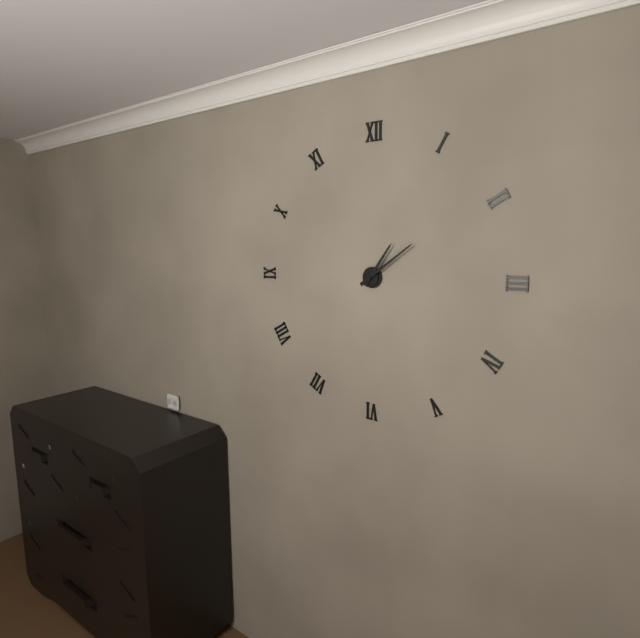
{"hour": 1, "minute": 9}
